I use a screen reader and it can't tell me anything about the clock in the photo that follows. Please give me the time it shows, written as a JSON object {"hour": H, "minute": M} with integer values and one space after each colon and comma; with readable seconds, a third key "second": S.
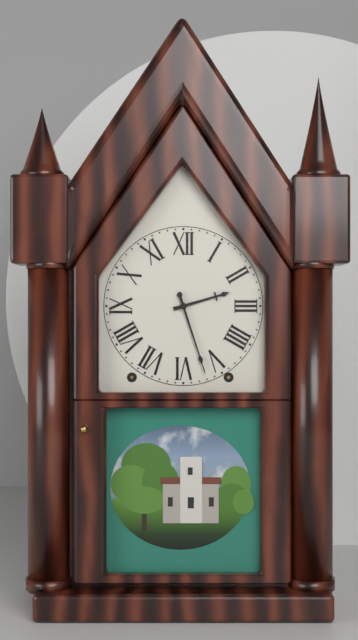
{"hour": 2, "minute": 27}
